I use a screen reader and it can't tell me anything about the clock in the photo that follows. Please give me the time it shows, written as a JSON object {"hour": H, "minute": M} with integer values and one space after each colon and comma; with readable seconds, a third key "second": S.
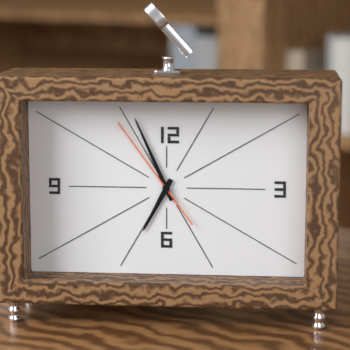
{"hour": 6, "minute": 56, "second": 54}
